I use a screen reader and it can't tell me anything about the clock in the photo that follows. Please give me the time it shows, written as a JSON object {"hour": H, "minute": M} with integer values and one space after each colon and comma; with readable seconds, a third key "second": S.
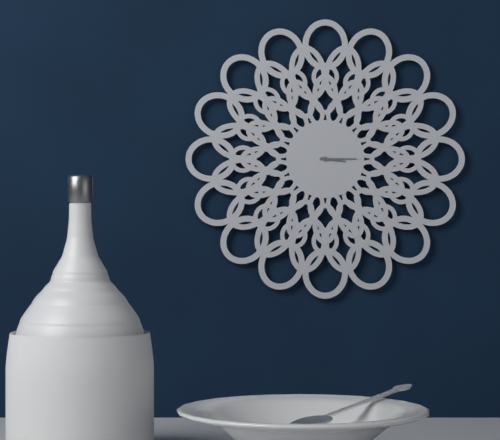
{"hour": 3, "minute": 15}
